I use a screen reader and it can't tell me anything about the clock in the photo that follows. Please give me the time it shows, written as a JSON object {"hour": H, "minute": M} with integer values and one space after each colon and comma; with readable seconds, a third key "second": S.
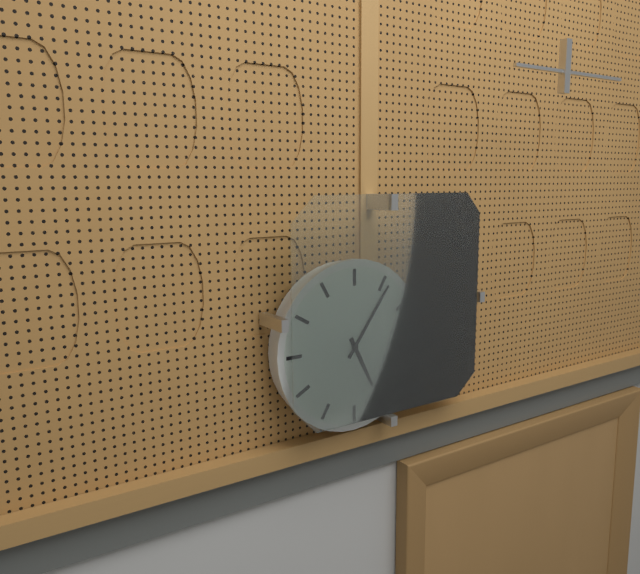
{"hour": 5, "minute": 6}
